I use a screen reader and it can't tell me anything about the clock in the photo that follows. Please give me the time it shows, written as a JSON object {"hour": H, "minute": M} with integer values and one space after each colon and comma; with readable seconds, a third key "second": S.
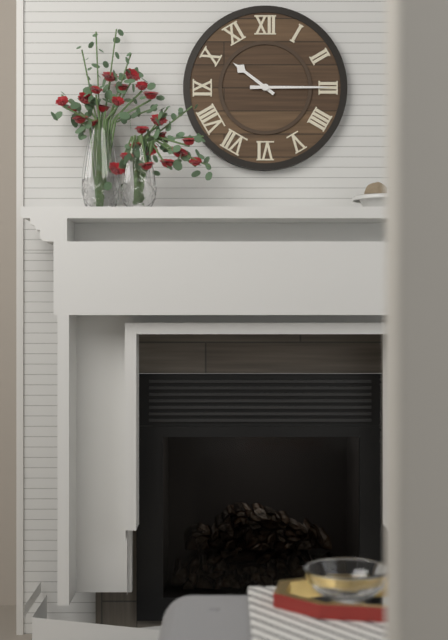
{"hour": 10, "minute": 15}
